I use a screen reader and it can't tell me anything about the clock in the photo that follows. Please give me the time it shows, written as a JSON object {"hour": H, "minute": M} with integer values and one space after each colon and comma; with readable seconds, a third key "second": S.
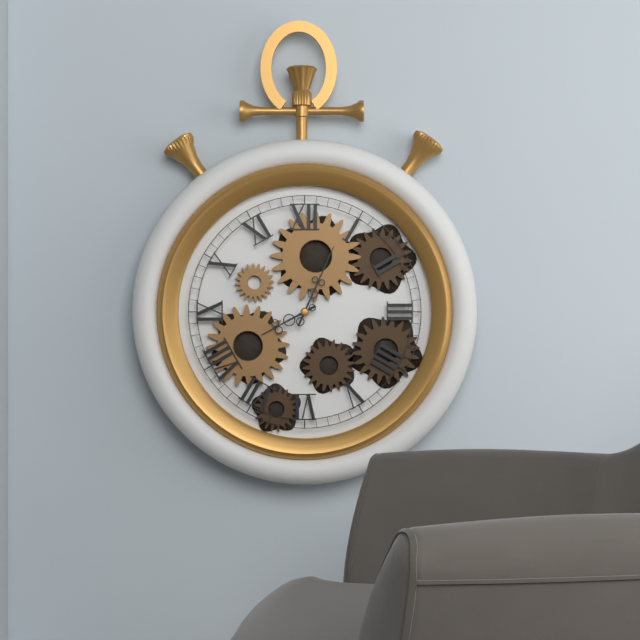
{"hour": 8, "minute": 4}
